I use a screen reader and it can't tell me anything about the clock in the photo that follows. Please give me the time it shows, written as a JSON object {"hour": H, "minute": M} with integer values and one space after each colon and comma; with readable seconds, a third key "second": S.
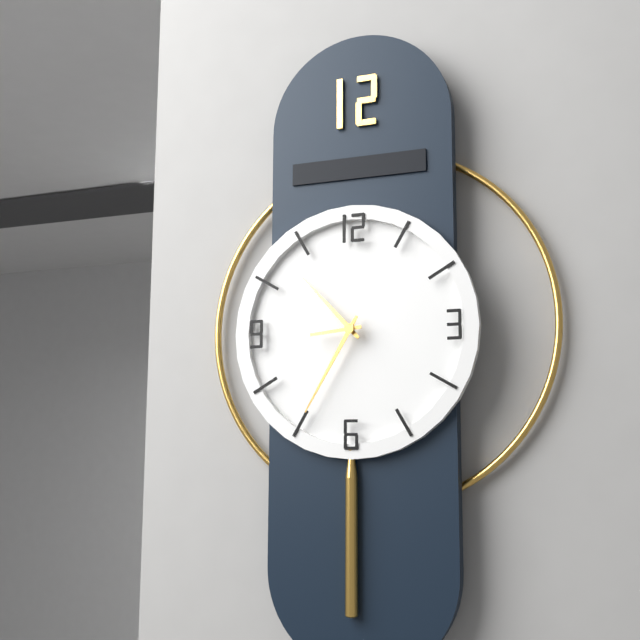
{"hour": 10, "minute": 35}
